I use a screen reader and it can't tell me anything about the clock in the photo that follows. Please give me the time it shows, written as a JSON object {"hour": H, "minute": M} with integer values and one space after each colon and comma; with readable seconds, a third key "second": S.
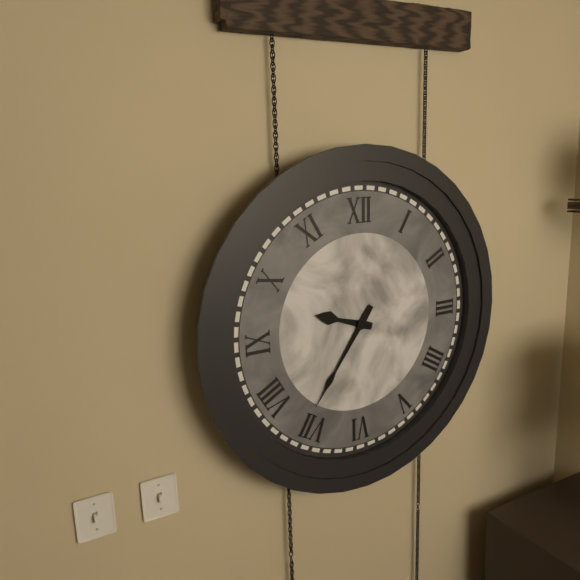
{"hour": 9, "minute": 36}
